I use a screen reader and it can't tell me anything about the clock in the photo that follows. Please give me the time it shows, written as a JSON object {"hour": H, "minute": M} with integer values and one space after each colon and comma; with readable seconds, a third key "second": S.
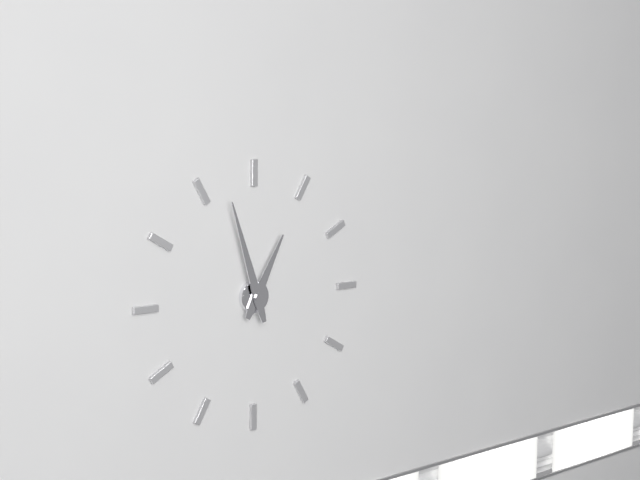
{"hour": 12, "minute": 57}
